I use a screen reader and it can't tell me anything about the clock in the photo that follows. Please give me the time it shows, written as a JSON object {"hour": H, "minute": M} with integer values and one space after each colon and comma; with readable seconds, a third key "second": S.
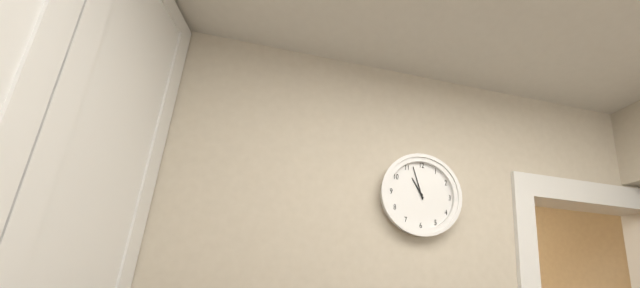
{"hour": 10, "minute": 57}
